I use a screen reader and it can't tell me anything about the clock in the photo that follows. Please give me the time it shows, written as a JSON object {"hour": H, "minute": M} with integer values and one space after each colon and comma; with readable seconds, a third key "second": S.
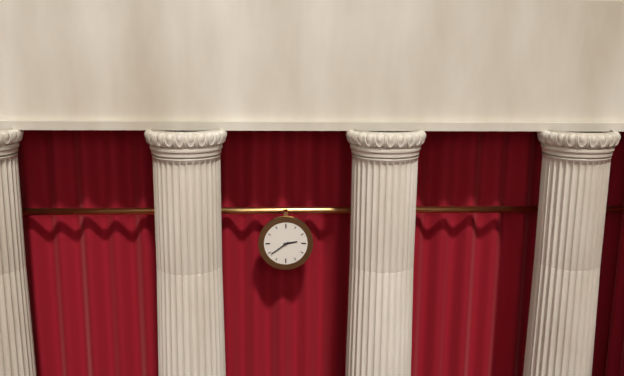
{"hour": 2, "minute": 39}
